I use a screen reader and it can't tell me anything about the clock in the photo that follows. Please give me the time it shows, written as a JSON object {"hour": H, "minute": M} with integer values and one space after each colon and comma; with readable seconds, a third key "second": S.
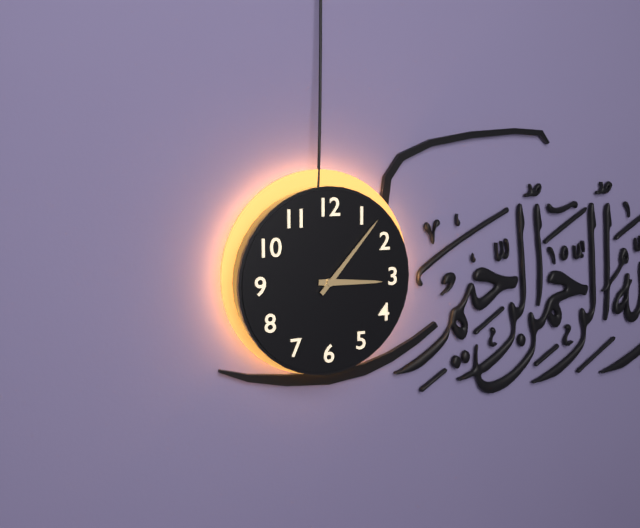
{"hour": 3, "minute": 7}
